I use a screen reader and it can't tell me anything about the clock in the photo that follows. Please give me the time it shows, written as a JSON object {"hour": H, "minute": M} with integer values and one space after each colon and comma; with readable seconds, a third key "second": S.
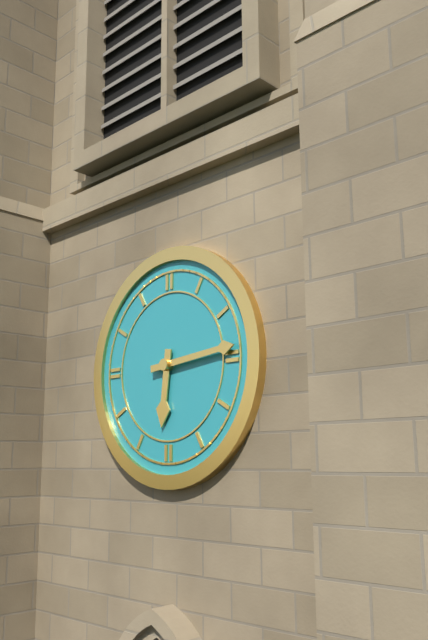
{"hour": 6, "minute": 14}
